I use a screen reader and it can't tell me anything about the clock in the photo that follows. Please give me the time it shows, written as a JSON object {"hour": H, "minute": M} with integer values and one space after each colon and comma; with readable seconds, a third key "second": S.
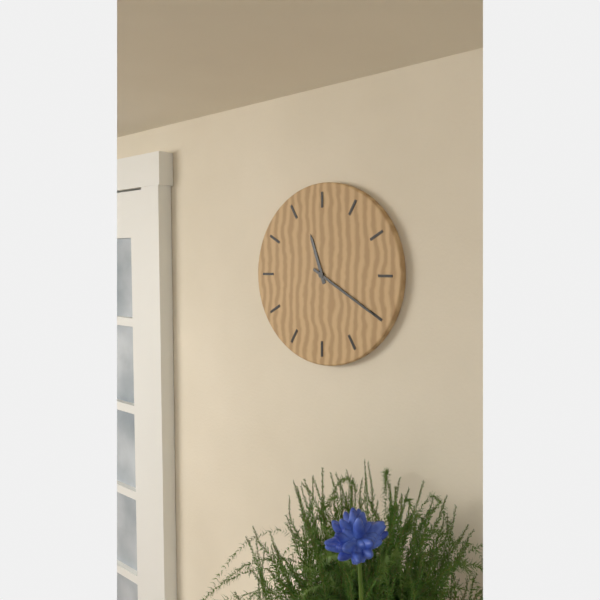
{"hour": 11, "minute": 20}
